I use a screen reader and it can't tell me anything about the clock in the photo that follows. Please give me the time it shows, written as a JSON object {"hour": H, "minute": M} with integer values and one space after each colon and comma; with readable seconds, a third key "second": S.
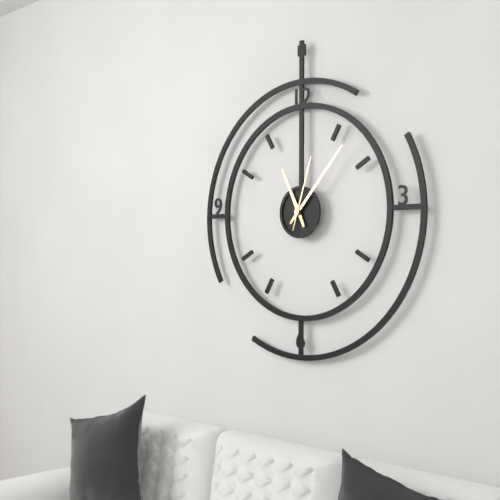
{"hour": 11, "minute": 7, "second": 3}
